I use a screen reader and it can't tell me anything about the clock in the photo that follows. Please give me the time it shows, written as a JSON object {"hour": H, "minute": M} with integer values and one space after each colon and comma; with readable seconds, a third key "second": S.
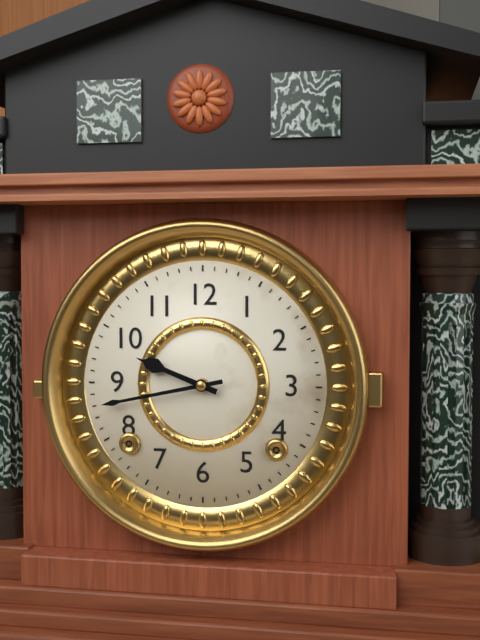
{"hour": 9, "minute": 43}
